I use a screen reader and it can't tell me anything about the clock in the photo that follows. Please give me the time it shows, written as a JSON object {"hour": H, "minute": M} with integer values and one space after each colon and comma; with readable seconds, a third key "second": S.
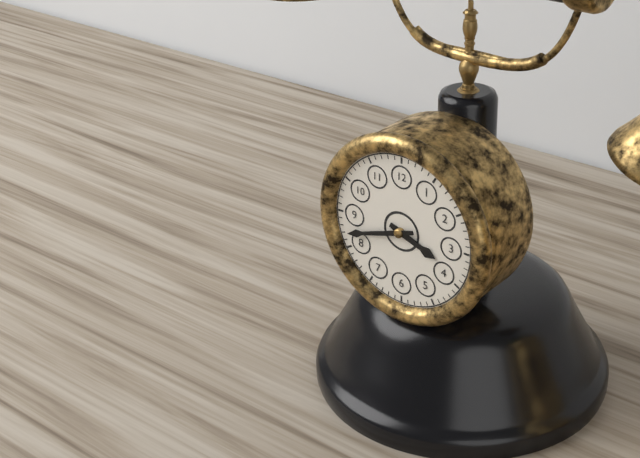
{"hour": 3, "minute": 42}
